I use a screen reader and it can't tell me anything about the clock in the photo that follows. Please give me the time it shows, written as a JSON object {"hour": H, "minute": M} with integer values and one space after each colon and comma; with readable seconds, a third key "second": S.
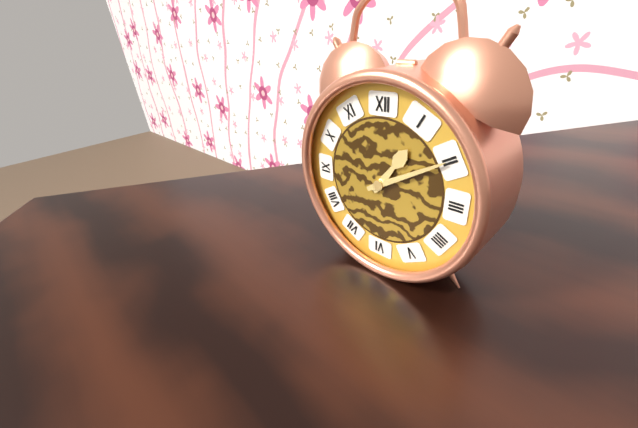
{"hour": 1, "minute": 10}
